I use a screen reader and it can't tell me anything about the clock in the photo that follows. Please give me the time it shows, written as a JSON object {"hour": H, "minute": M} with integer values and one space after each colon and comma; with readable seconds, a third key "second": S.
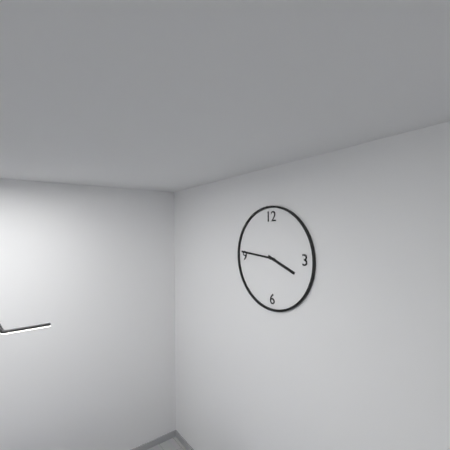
{"hour": 3, "minute": 46}
